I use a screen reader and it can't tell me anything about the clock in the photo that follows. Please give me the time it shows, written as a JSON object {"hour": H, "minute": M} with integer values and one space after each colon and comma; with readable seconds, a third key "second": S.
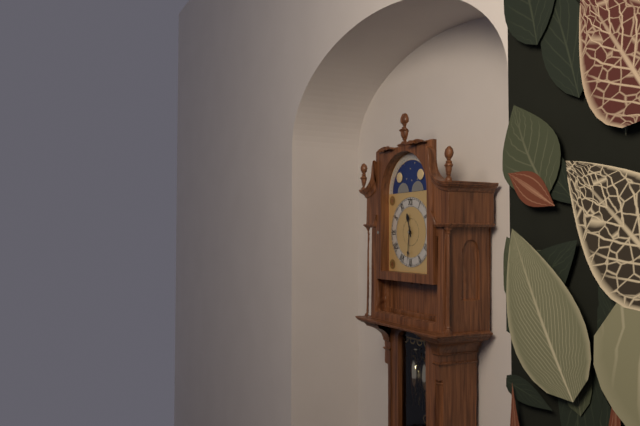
{"hour": 11, "minute": 31}
